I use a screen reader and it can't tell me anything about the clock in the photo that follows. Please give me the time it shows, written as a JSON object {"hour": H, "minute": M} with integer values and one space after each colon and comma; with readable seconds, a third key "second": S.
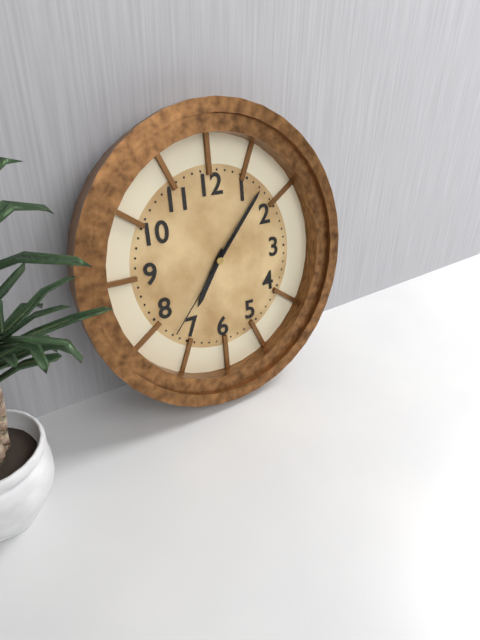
{"hour": 7, "minute": 7, "second": 37}
